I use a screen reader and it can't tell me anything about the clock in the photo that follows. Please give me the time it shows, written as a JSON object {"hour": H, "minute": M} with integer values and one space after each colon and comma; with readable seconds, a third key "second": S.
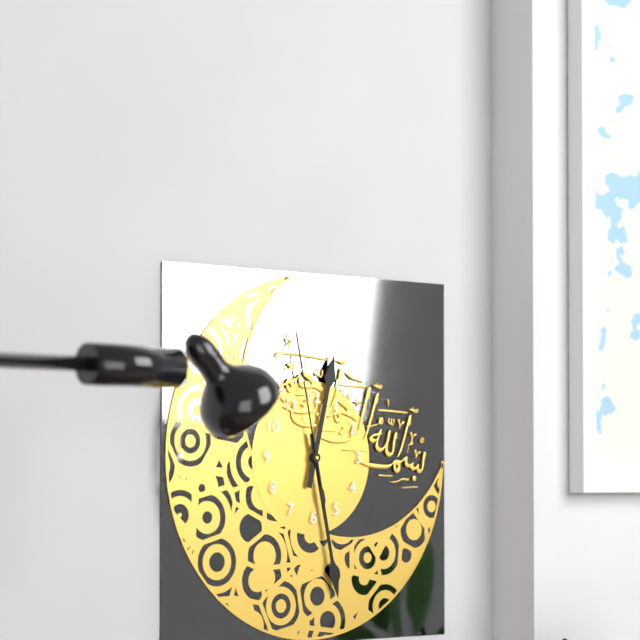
{"hour": 12, "minute": 28, "second": 58}
